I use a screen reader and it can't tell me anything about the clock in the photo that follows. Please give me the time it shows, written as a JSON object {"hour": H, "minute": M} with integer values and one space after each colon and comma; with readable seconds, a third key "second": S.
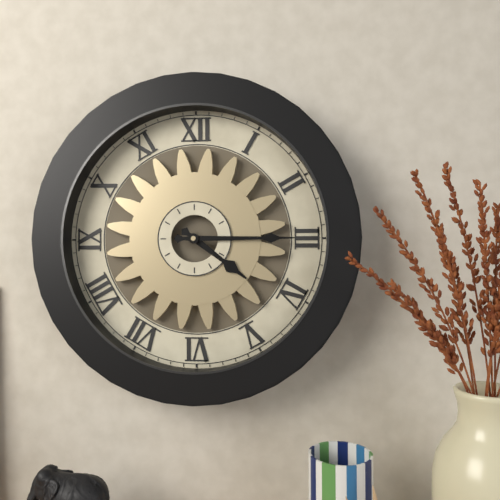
{"hour": 4, "minute": 15}
